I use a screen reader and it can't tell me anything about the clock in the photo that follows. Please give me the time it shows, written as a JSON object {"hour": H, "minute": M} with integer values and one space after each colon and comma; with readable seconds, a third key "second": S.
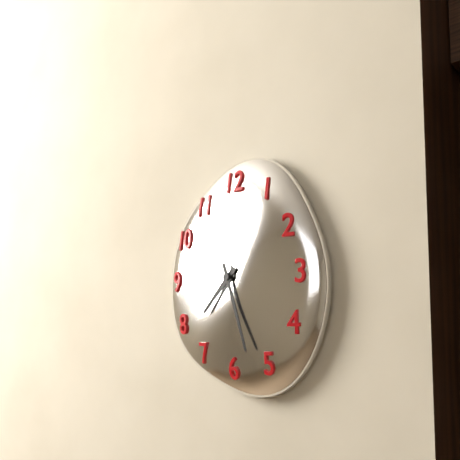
{"hour": 7, "minute": 27}
